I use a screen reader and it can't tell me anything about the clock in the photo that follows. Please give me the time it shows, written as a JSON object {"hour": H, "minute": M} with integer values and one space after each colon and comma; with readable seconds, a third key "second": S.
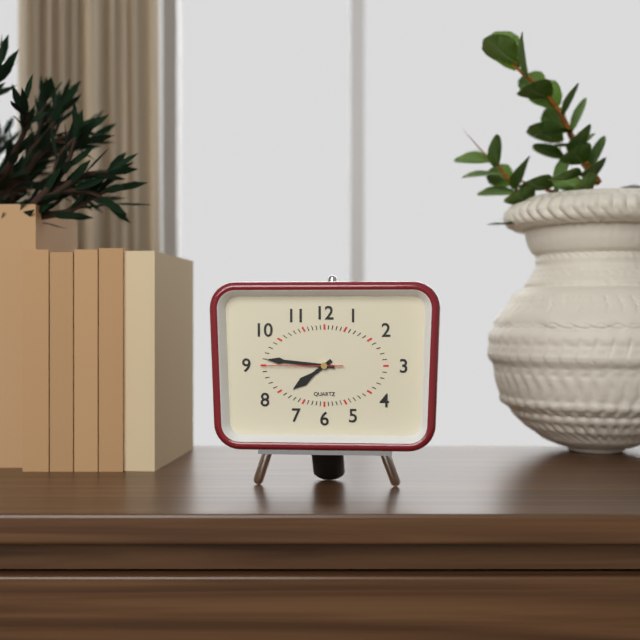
{"hour": 7, "minute": 46, "second": 45}
